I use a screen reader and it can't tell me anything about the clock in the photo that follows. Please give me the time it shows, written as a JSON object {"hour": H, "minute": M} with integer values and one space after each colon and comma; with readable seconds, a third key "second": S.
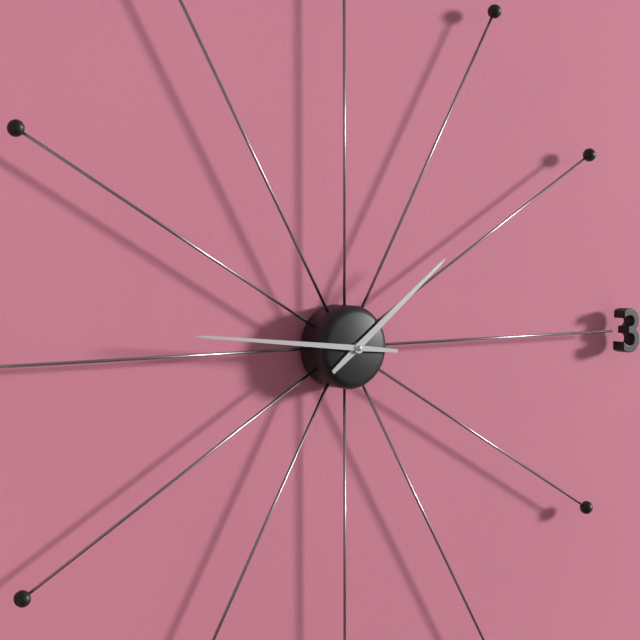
{"hour": 1, "minute": 46}
